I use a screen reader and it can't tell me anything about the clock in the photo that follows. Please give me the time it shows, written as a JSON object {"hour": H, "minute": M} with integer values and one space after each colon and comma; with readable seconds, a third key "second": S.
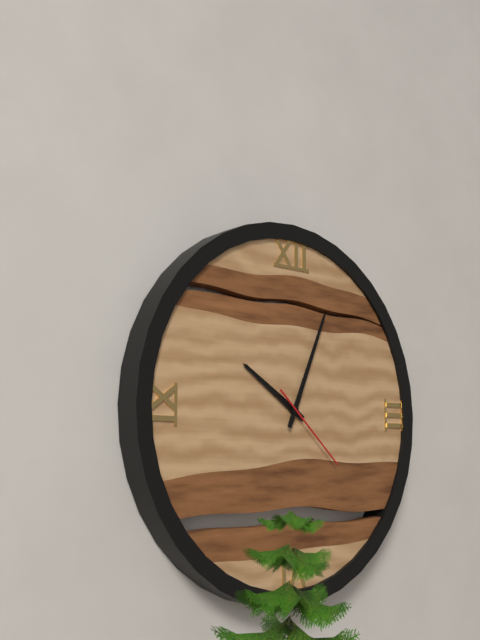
{"hour": 10, "minute": 4, "second": 22}
